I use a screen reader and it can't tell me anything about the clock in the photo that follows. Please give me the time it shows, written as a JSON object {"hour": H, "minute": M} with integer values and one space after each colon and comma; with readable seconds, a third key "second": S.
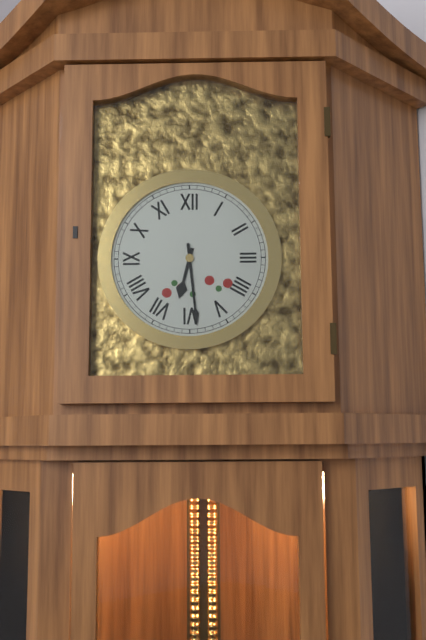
{"hour": 6, "minute": 29}
